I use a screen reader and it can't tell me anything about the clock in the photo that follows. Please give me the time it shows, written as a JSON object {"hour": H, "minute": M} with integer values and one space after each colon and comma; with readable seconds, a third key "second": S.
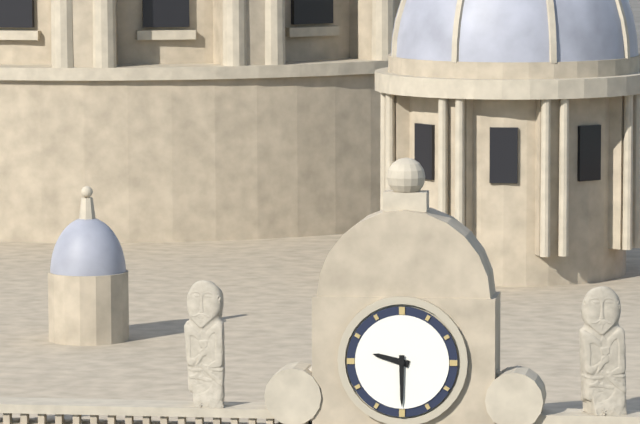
{"hour": 9, "minute": 30}
